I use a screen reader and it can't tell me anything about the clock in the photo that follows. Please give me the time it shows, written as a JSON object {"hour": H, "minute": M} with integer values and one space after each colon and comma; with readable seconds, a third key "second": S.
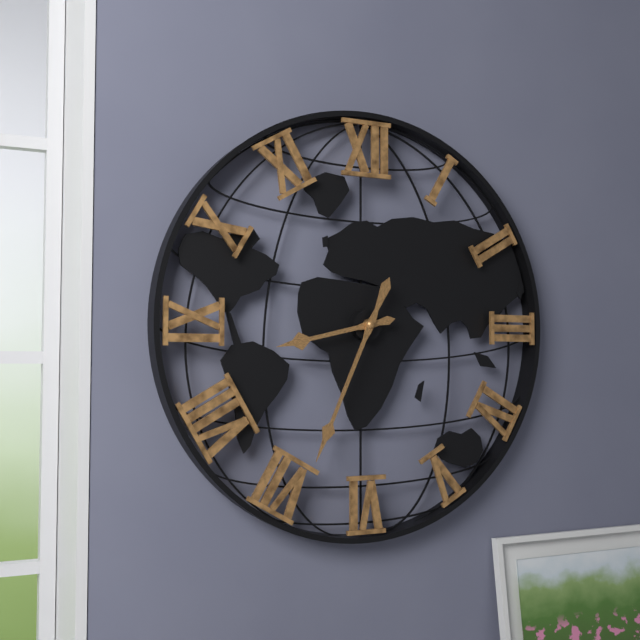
{"hour": 8, "minute": 34}
